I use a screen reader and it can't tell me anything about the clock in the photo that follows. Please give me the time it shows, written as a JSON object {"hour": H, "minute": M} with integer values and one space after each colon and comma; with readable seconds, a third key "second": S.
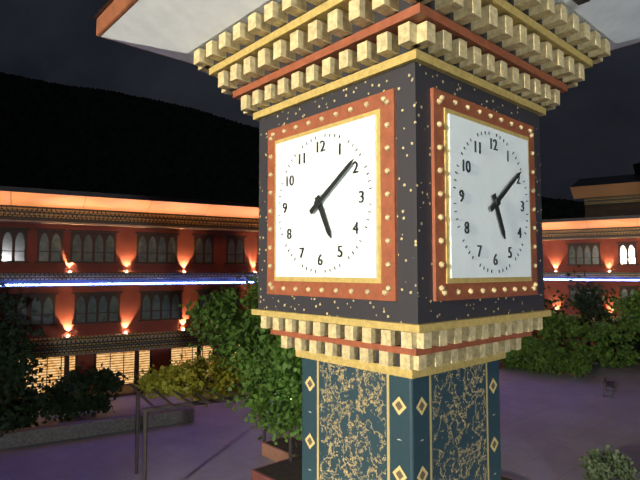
{"hour": 5, "minute": 9}
